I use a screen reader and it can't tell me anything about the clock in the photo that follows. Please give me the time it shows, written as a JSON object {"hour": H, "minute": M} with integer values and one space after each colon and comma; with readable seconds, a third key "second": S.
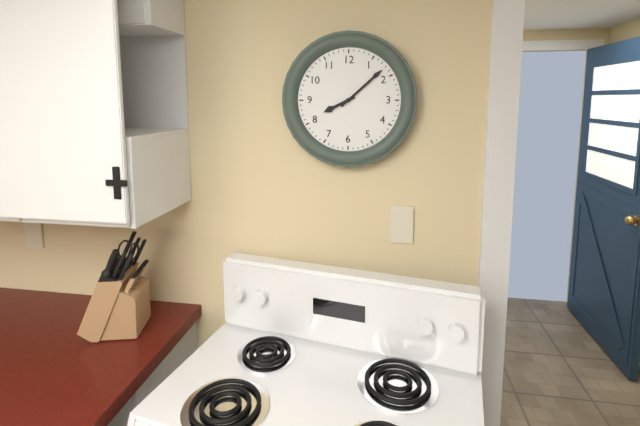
{"hour": 8, "minute": 8}
